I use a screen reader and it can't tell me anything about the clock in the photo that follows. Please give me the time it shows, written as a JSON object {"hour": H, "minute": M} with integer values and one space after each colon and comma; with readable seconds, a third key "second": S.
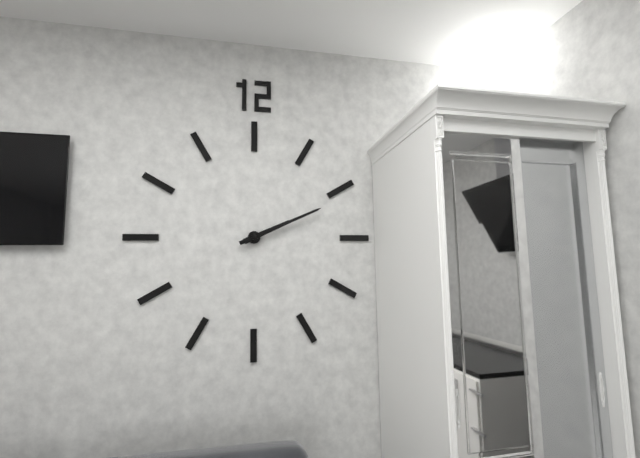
{"hour": 2, "minute": 11}
